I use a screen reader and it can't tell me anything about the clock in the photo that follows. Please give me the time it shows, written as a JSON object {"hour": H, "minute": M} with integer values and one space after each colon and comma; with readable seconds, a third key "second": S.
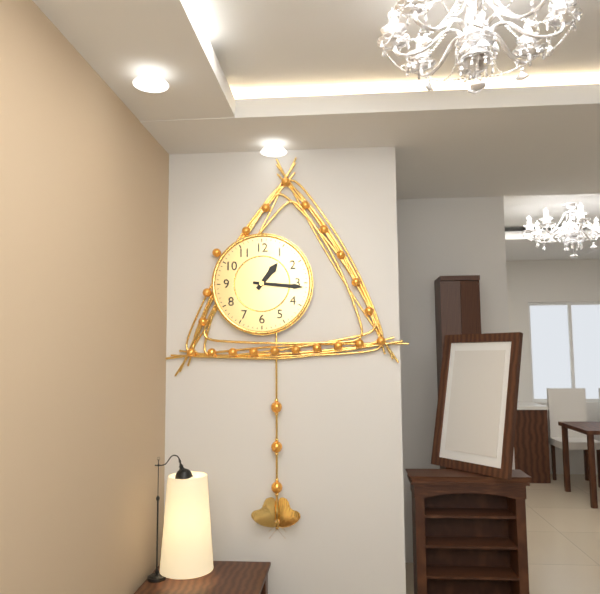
{"hour": 1, "minute": 16}
